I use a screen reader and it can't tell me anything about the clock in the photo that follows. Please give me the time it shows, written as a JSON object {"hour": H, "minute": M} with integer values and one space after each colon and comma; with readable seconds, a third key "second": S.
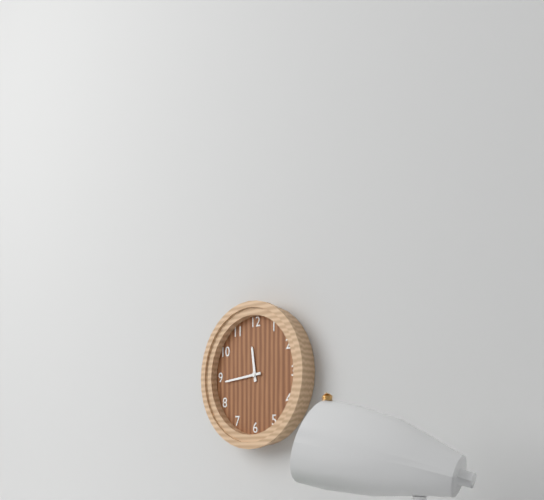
{"hour": 11, "minute": 44}
